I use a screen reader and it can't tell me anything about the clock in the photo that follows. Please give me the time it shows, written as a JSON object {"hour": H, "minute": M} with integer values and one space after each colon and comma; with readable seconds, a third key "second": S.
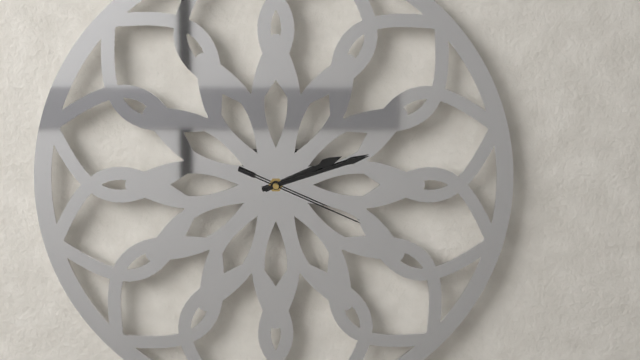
{"hour": 2, "minute": 12, "second": 19}
